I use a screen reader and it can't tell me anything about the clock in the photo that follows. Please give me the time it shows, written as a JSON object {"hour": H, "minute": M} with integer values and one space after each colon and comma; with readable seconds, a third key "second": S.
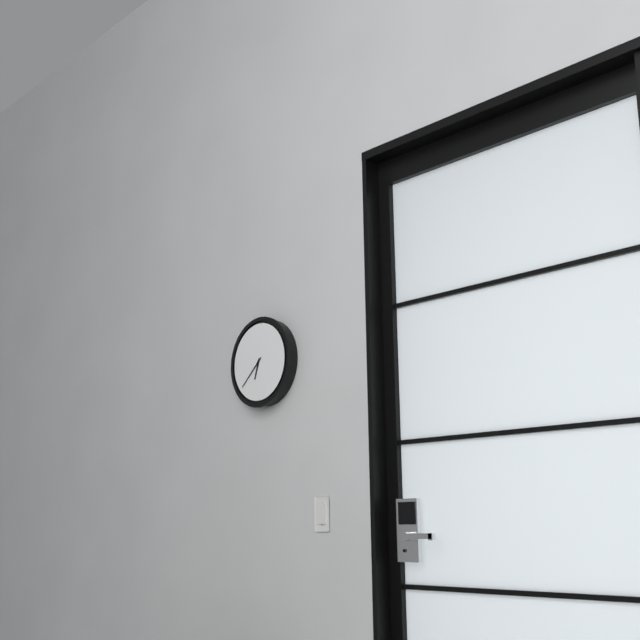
{"hour": 6, "minute": 38}
